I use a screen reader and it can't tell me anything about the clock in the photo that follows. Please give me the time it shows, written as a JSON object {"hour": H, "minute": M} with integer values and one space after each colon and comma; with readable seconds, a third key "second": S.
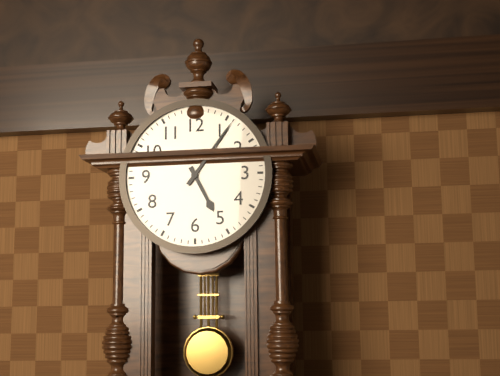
{"hour": 5, "minute": 6}
